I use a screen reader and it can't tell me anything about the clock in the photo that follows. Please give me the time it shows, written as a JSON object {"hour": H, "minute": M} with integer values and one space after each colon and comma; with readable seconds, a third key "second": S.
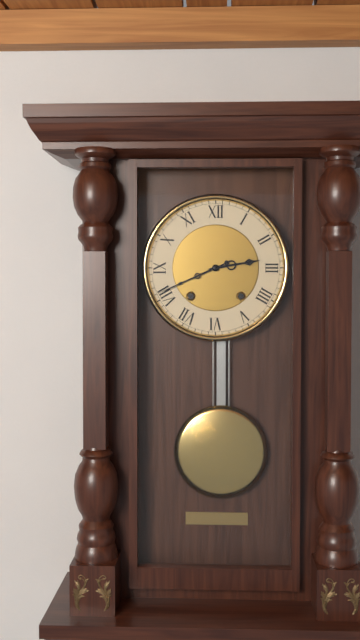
{"hour": 2, "minute": 41}
